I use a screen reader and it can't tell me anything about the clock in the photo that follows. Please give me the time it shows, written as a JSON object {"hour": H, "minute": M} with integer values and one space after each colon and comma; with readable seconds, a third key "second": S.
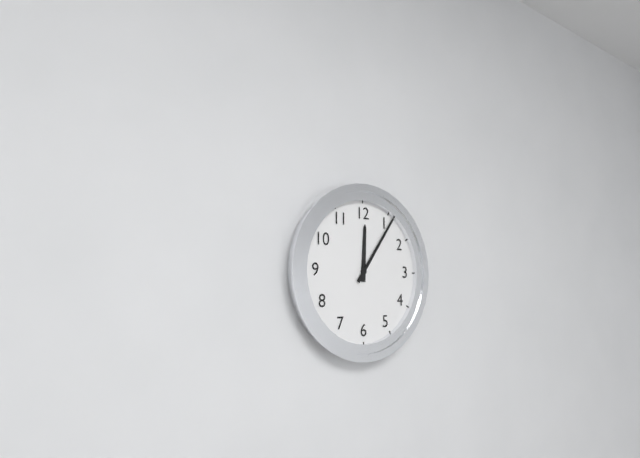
{"hour": 12, "minute": 6}
